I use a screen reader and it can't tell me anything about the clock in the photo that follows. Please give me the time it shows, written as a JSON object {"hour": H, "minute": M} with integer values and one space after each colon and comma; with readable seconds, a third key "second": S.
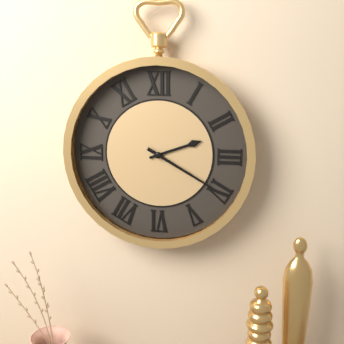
{"hour": 2, "minute": 20}
